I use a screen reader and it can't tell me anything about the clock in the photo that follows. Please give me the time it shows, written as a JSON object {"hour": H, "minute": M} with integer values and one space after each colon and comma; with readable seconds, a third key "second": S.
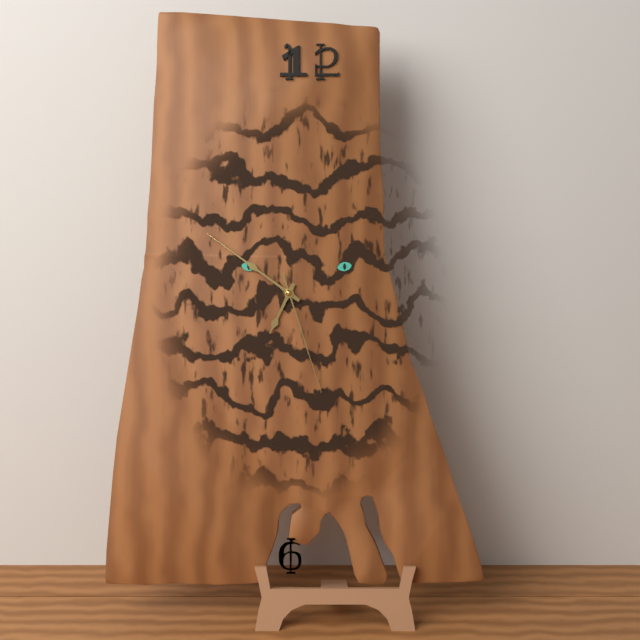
{"hour": 6, "minute": 51, "second": 27}
